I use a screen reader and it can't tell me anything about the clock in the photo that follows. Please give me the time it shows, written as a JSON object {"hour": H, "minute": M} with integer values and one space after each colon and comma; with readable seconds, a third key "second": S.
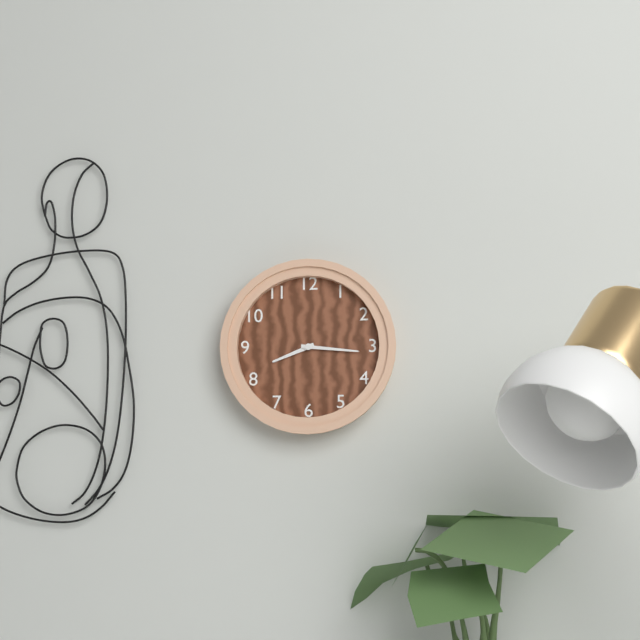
{"hour": 8, "minute": 16}
